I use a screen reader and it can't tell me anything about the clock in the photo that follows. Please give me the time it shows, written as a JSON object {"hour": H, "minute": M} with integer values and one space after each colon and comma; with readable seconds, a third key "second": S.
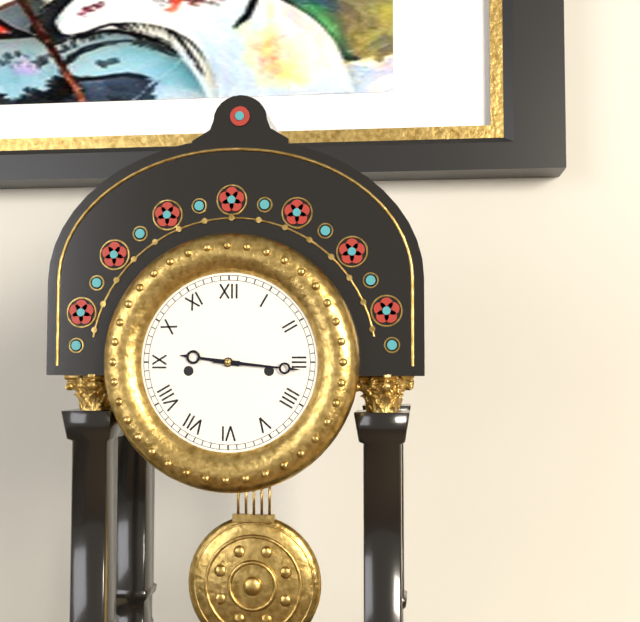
{"hour": 9, "minute": 16}
